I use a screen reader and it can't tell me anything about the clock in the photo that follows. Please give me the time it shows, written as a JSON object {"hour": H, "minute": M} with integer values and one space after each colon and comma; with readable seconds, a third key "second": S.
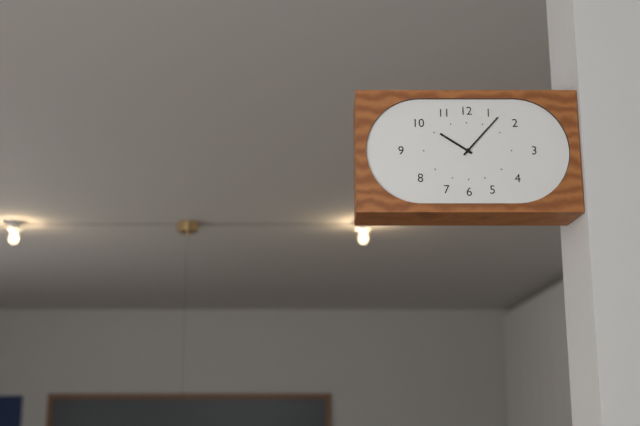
{"hour": 10, "minute": 7}
